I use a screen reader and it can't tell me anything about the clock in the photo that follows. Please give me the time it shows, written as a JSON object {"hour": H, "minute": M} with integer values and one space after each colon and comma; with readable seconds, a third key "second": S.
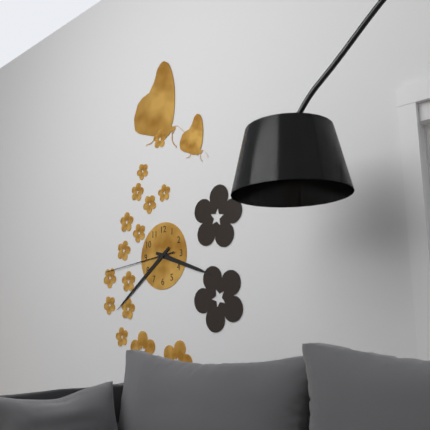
{"hour": 3, "minute": 39, "second": 44}
